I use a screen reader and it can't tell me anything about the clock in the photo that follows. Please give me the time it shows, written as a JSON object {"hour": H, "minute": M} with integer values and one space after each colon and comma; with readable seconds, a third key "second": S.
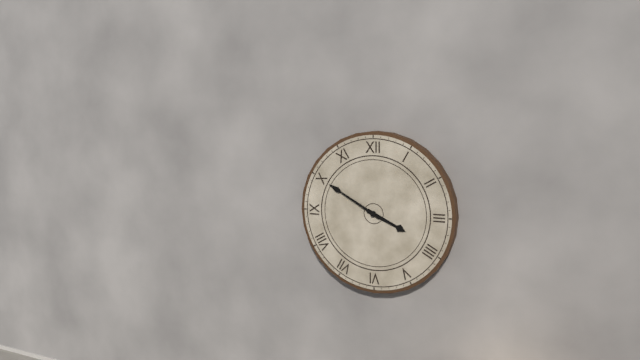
{"hour": 3, "minute": 50}
